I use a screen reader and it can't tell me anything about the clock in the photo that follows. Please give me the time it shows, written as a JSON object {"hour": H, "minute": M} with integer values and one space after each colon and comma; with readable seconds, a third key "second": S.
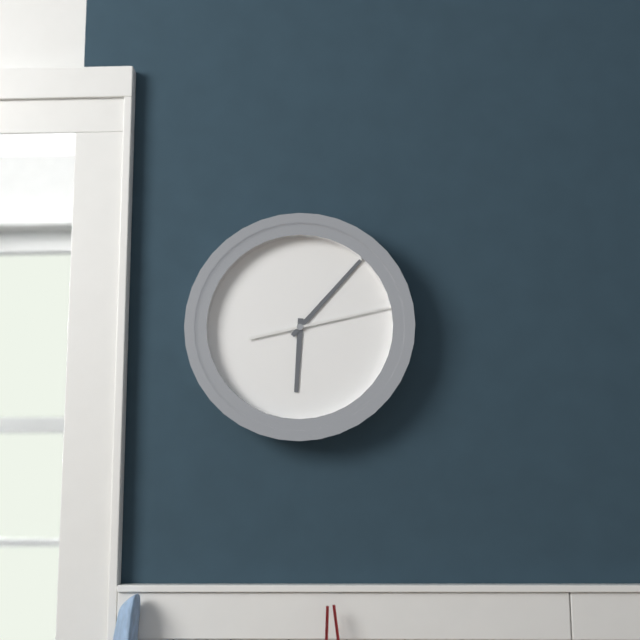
{"hour": 6, "minute": 7, "second": 13}
